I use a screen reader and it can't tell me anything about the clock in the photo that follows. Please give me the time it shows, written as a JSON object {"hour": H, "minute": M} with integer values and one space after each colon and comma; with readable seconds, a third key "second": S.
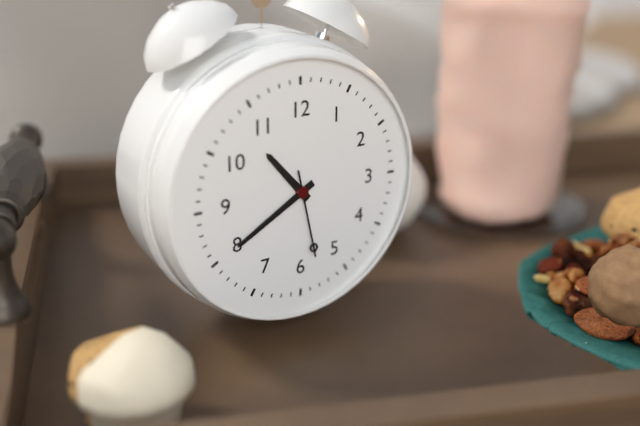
{"hour": 10, "minute": 40, "second": 28}
